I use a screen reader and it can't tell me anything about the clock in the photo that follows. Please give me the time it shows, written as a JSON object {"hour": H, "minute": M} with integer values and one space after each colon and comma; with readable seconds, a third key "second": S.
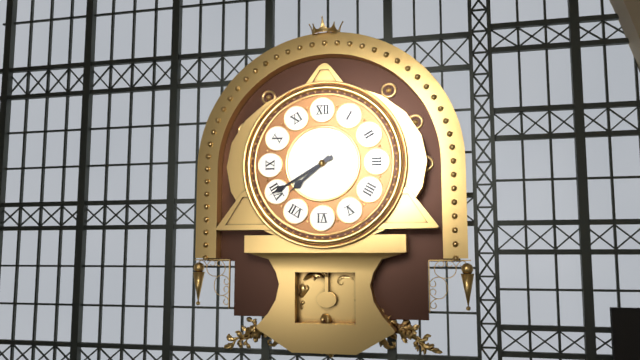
{"hour": 7, "minute": 40}
